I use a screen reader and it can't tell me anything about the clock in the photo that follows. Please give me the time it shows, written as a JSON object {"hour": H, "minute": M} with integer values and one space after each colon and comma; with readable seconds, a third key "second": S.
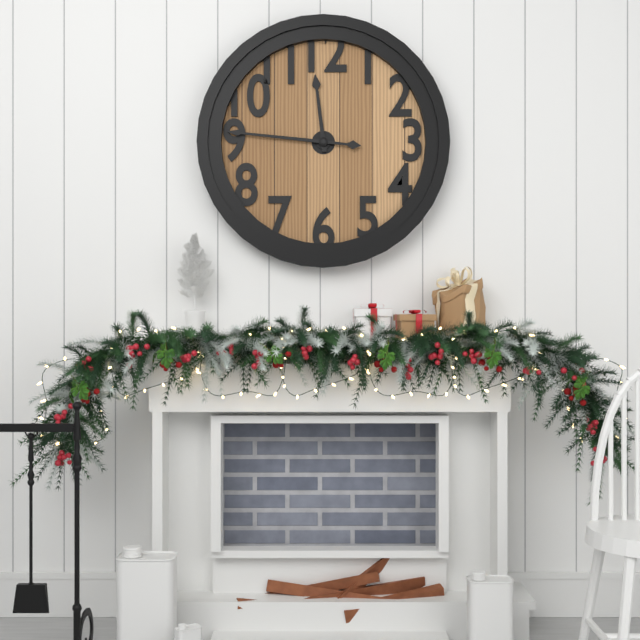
{"hour": 11, "minute": 46}
